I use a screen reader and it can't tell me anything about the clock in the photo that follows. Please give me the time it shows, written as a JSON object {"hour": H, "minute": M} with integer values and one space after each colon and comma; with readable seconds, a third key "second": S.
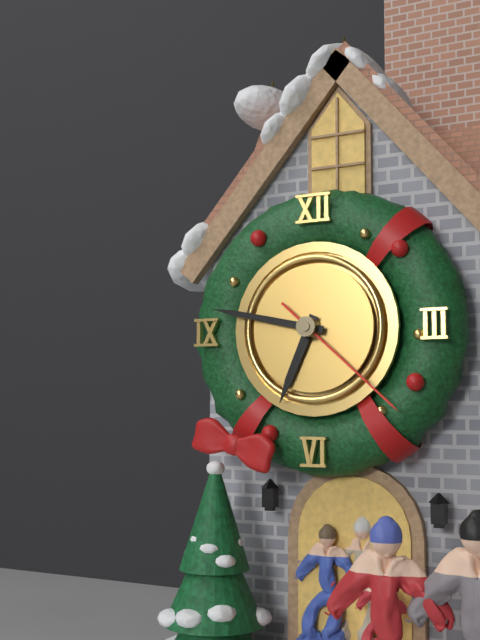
{"hour": 6, "minute": 47, "second": 22}
